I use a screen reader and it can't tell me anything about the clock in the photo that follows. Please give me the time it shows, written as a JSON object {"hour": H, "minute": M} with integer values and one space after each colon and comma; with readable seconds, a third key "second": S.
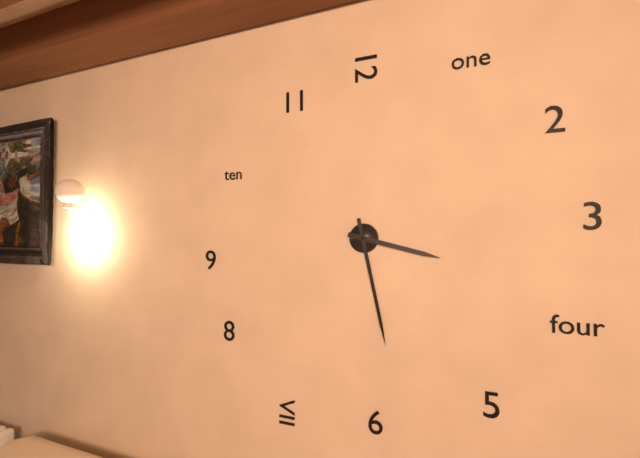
{"hour": 3, "minute": 28}
